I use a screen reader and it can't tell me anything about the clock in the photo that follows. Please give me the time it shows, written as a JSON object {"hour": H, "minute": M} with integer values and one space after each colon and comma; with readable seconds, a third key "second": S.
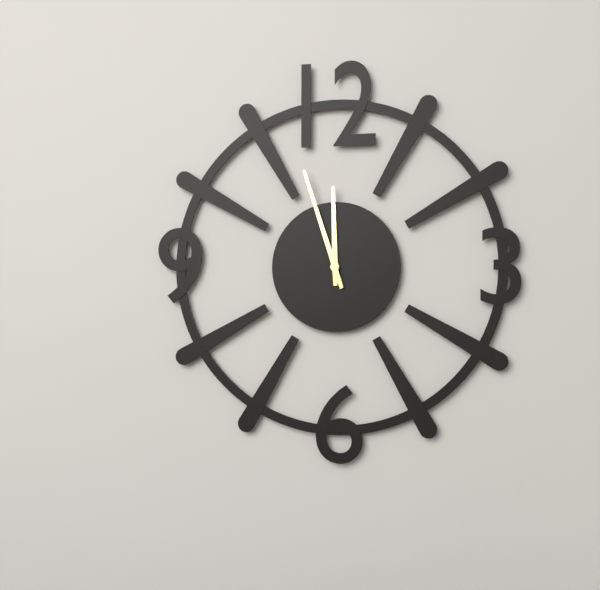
{"hour": 11, "minute": 57}
